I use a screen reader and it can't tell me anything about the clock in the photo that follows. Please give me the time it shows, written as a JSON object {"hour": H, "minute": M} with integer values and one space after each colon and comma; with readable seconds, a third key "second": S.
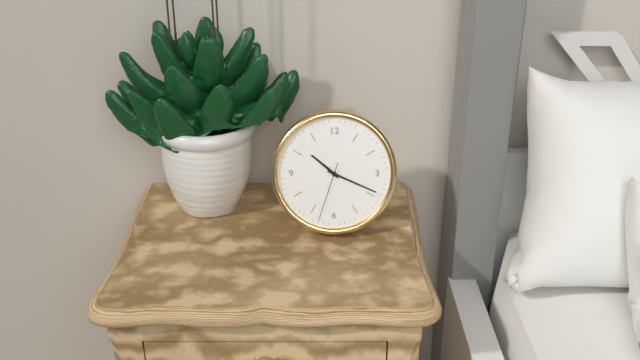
{"hour": 10, "minute": 19, "second": 33}
